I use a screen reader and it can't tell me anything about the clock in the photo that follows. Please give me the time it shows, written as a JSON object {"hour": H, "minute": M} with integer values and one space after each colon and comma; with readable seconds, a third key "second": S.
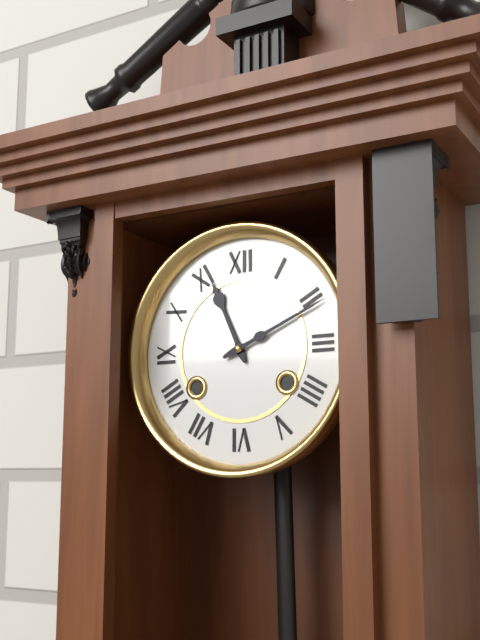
{"hour": 11, "minute": 11}
